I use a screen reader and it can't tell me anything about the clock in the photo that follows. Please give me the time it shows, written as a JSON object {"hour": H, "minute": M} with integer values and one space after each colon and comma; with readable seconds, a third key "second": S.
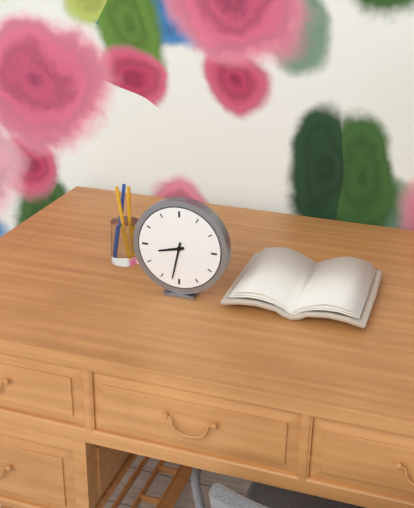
{"hour": 8, "minute": 32}
